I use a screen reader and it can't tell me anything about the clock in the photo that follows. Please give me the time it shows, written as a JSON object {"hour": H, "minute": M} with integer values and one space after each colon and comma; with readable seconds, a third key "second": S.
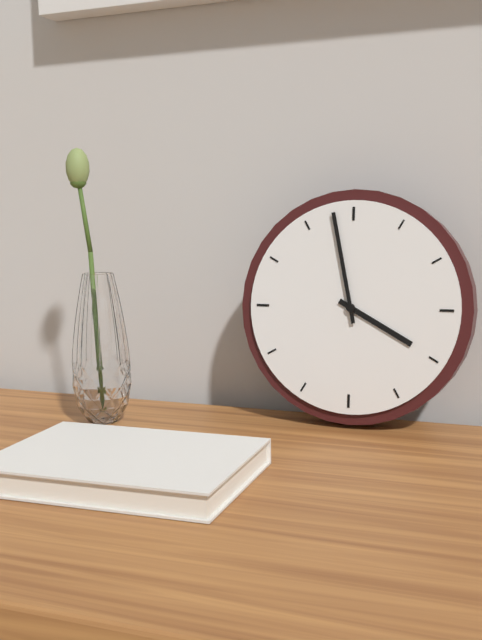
{"hour": 3, "minute": 58}
